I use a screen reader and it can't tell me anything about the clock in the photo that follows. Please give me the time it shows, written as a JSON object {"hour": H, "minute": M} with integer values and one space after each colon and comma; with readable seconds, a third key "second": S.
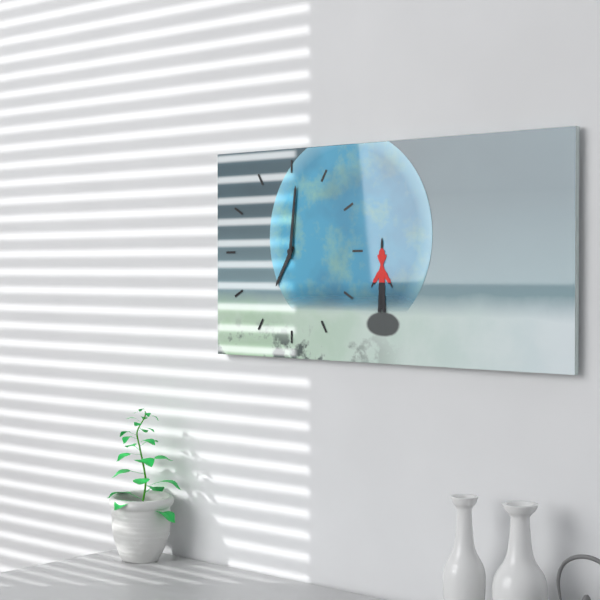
{"hour": 7, "minute": 1}
